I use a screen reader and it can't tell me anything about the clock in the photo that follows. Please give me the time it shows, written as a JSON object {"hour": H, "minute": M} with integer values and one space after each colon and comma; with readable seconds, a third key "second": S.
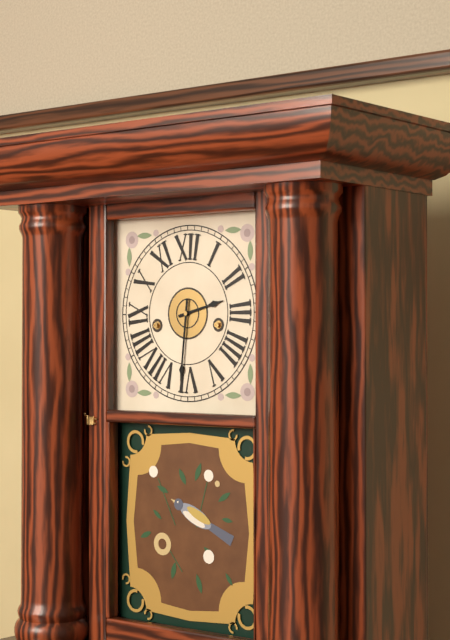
{"hour": 2, "minute": 31}
